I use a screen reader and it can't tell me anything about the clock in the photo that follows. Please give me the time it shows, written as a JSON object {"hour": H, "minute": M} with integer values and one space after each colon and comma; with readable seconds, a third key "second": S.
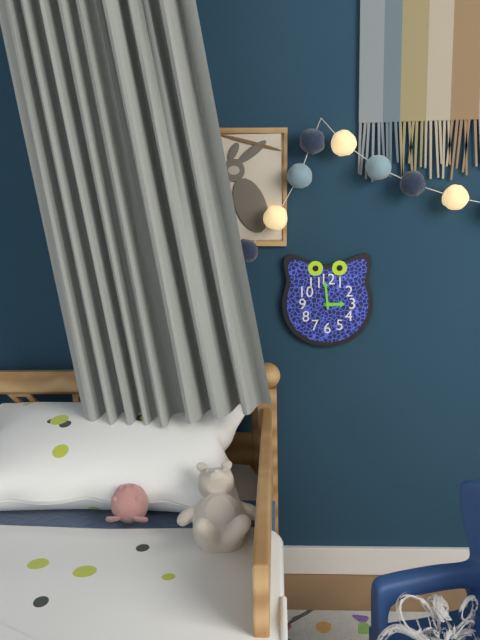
{"hour": 2, "minute": 59}
